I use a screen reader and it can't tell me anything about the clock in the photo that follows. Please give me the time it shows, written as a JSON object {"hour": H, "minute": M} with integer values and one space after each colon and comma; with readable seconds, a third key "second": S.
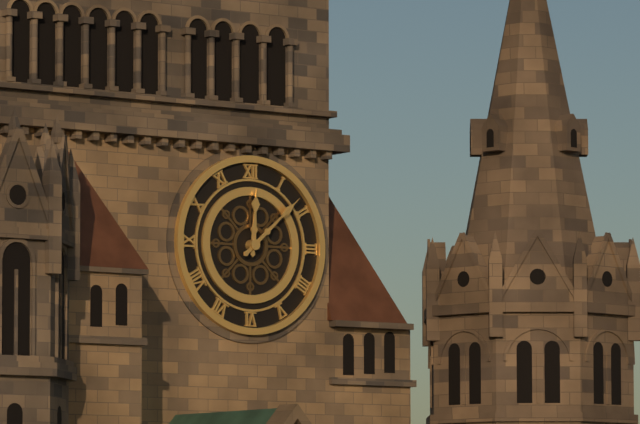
{"hour": 12, "minute": 8}
